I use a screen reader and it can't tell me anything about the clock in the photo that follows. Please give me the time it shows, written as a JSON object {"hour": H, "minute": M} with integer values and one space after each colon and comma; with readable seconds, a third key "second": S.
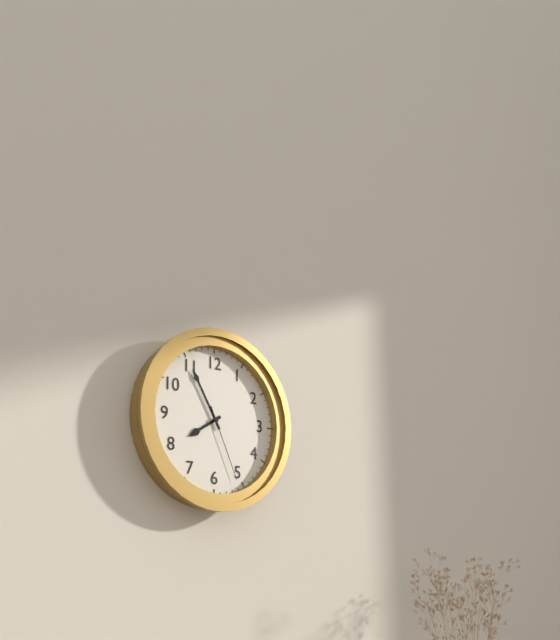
{"hour": 7, "minute": 55, "second": 26}
